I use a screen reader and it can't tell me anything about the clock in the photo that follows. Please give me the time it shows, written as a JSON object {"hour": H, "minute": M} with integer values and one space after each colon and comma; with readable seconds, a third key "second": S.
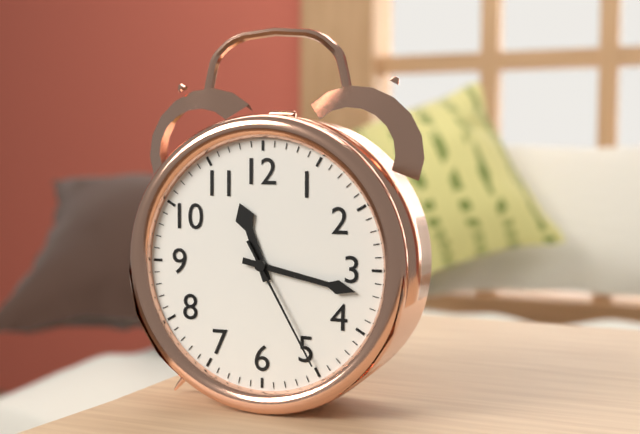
{"hour": 11, "minute": 17, "second": 25}
